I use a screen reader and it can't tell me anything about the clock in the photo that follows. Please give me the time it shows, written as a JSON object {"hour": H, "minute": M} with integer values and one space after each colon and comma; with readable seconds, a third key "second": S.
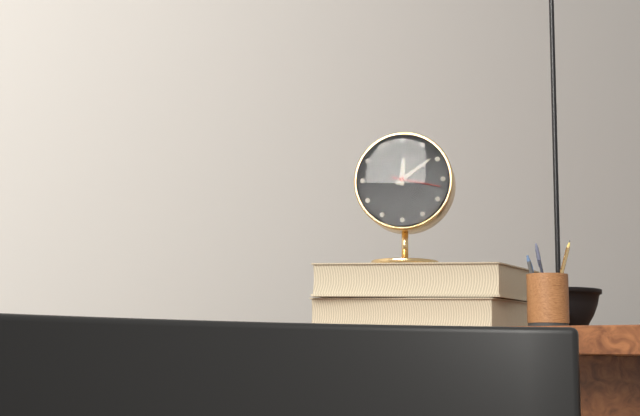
{"hour": 12, "minute": 9}
